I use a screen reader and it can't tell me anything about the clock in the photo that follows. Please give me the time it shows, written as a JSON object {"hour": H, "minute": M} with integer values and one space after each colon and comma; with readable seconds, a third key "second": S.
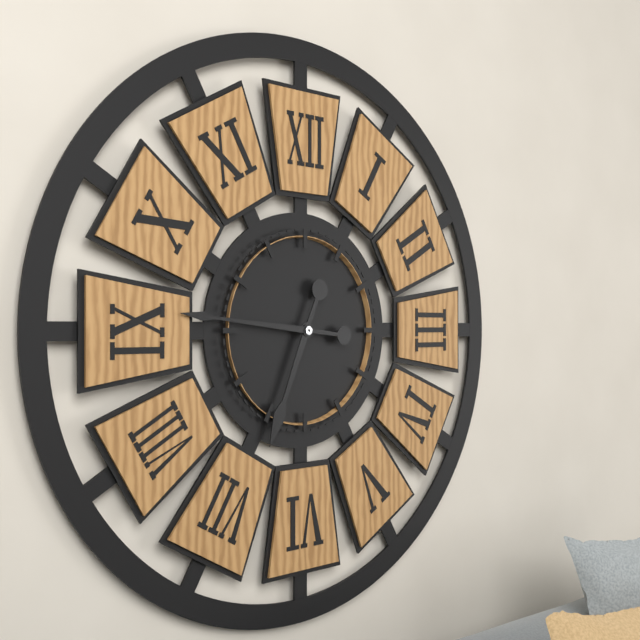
{"hour": 6, "minute": 46}
